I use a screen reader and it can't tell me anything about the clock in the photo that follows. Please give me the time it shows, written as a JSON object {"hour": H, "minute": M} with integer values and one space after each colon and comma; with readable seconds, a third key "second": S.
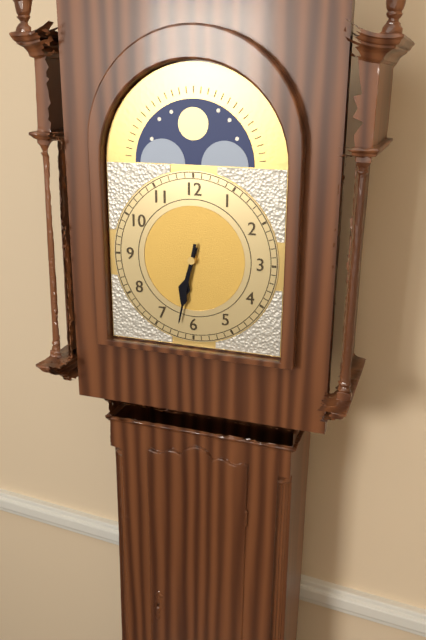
{"hour": 6, "minute": 32}
